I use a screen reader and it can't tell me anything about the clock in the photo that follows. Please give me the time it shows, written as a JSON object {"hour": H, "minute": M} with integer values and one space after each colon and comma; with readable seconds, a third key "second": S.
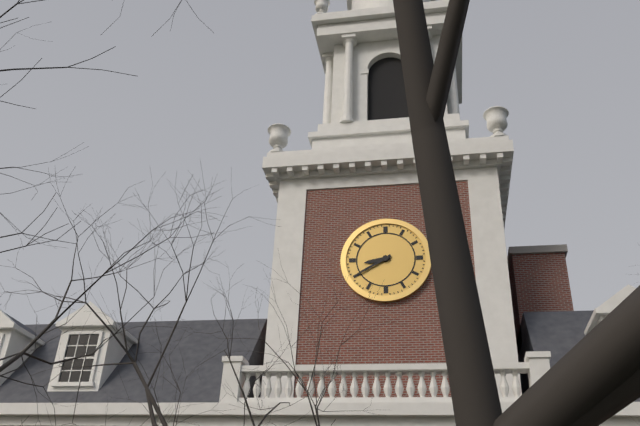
{"hour": 8, "minute": 40}
